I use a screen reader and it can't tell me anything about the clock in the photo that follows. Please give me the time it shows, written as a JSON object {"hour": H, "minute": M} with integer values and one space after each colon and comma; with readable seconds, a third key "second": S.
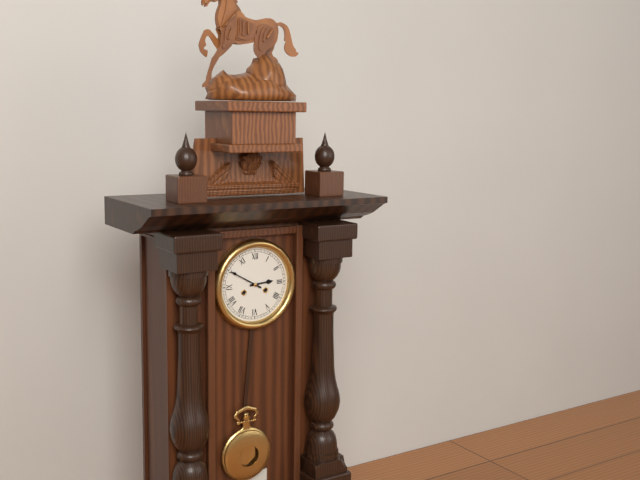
{"hour": 2, "minute": 50}
